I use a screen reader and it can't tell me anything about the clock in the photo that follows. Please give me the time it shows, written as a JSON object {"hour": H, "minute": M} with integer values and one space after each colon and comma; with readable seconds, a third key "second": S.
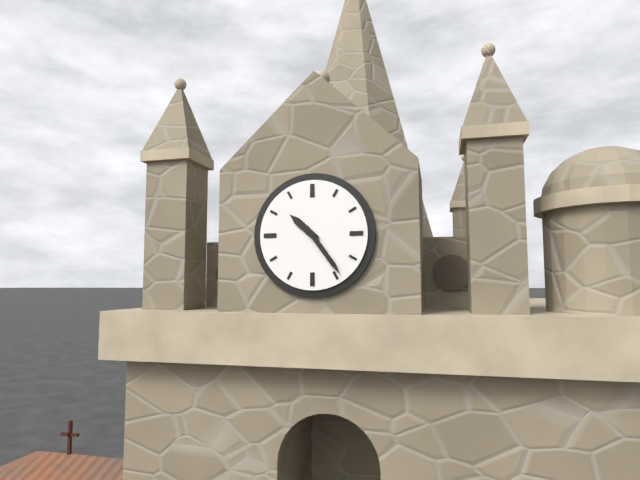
{"hour": 10, "minute": 24}
